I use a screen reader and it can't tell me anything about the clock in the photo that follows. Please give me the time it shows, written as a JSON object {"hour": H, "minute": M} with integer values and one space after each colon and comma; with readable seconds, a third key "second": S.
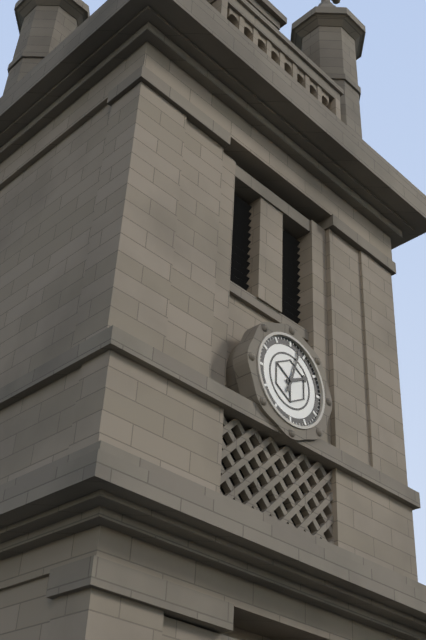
{"hour": 2, "minute": 3}
